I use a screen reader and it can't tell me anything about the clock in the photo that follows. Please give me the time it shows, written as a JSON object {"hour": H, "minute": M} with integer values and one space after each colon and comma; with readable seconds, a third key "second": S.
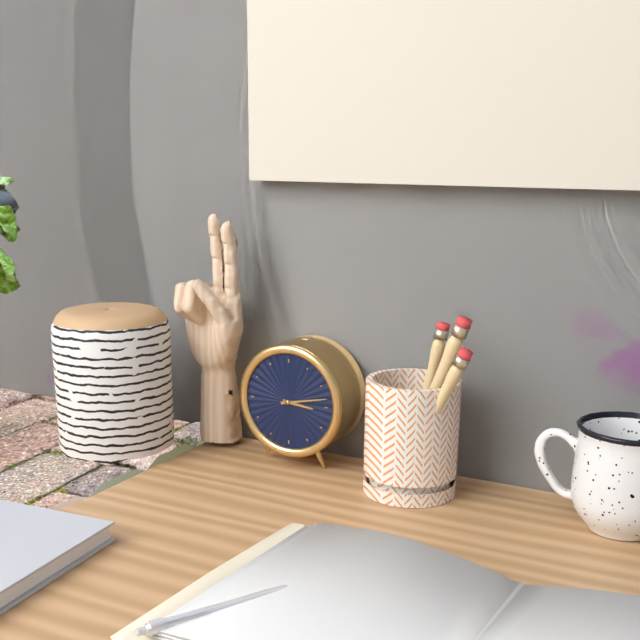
{"hour": 3, "minute": 13}
